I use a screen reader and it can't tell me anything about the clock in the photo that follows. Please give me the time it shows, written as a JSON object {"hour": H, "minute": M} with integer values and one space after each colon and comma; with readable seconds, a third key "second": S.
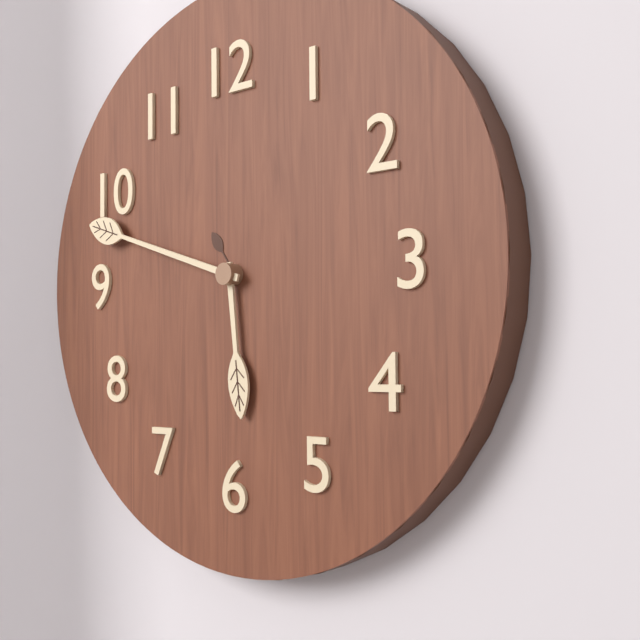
{"hour": 5, "minute": 48}
